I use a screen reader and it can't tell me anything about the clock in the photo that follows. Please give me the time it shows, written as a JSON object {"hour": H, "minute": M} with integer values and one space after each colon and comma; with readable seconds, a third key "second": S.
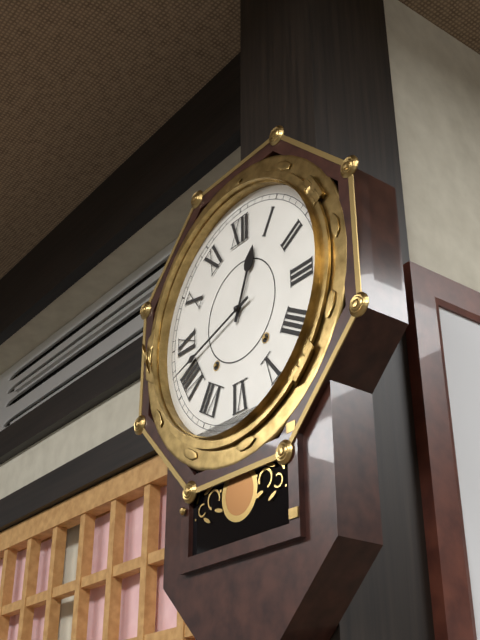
{"hour": 12, "minute": 42}
